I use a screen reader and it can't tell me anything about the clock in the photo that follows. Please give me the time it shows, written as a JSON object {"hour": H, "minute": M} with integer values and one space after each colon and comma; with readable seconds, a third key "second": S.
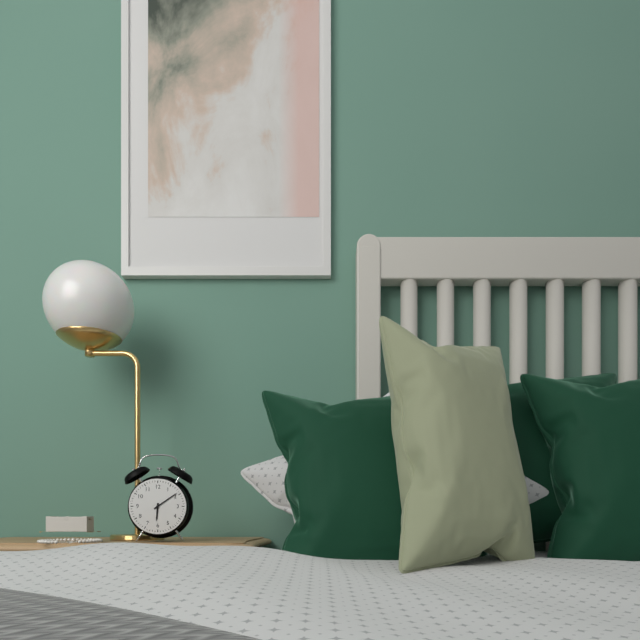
{"hour": 6, "minute": 9}
